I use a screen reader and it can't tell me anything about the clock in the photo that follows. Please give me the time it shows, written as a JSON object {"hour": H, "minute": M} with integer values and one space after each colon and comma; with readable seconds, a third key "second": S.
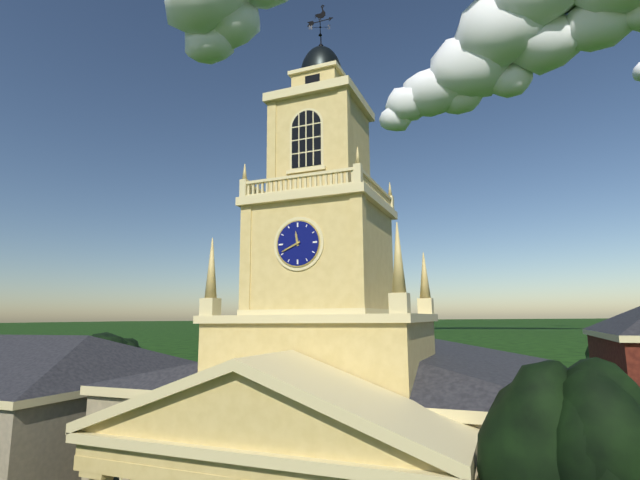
{"hour": 11, "minute": 41}
